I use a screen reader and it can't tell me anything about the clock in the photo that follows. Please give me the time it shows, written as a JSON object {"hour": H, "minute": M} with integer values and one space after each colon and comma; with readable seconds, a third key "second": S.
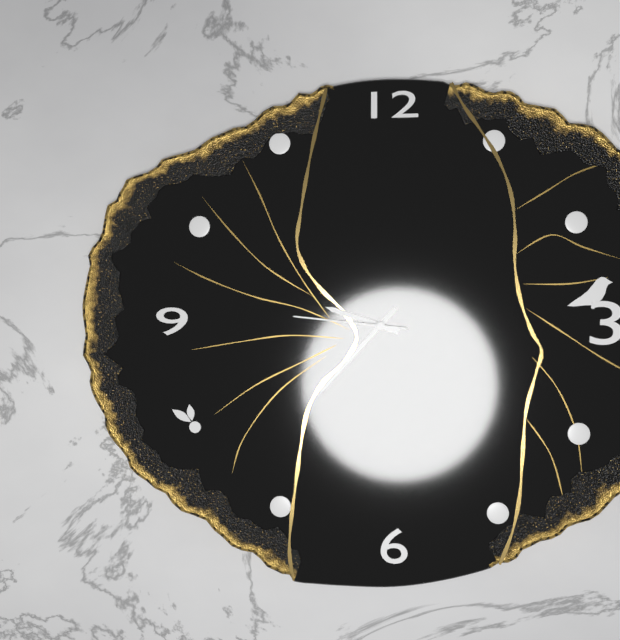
{"hour": 9, "minute": 37, "second": 46}
